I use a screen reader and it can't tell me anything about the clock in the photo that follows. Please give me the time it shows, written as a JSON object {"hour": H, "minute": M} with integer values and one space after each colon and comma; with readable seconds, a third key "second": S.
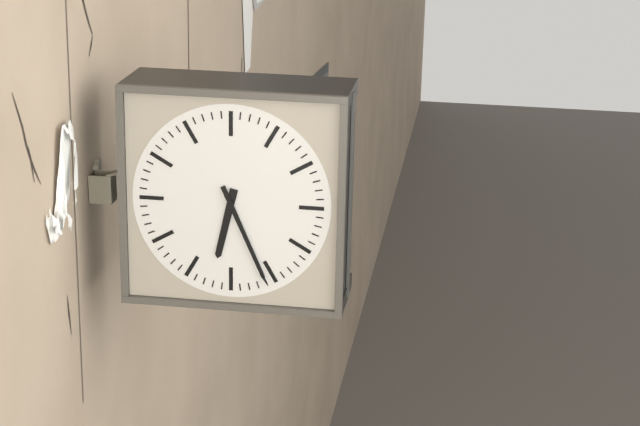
{"hour": 6, "minute": 26}
